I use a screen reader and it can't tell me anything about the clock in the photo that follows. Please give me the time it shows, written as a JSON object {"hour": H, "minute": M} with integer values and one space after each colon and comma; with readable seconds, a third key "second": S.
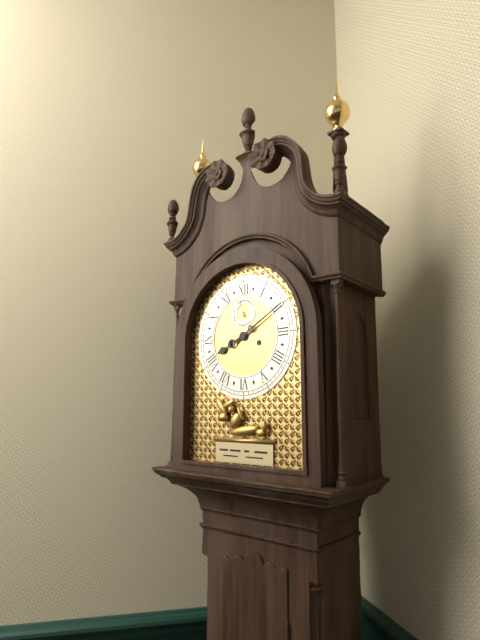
{"hour": 8, "minute": 10}
